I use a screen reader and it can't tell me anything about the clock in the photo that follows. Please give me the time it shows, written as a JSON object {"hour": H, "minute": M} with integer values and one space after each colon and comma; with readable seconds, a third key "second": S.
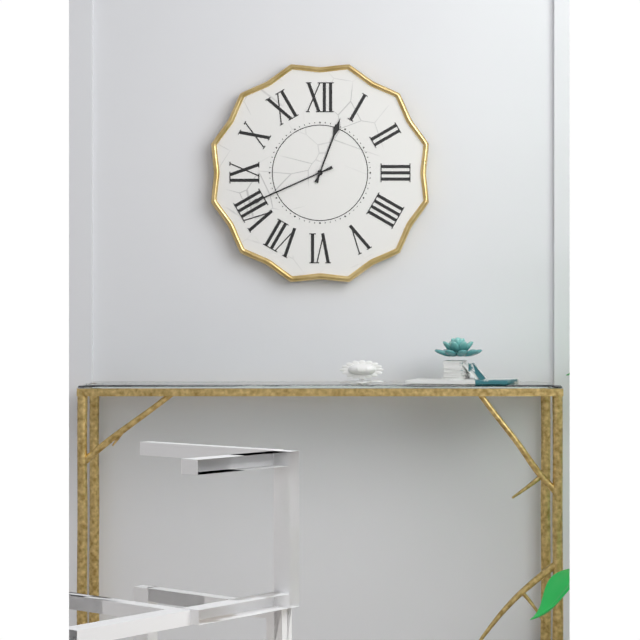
{"hour": 12, "minute": 41}
